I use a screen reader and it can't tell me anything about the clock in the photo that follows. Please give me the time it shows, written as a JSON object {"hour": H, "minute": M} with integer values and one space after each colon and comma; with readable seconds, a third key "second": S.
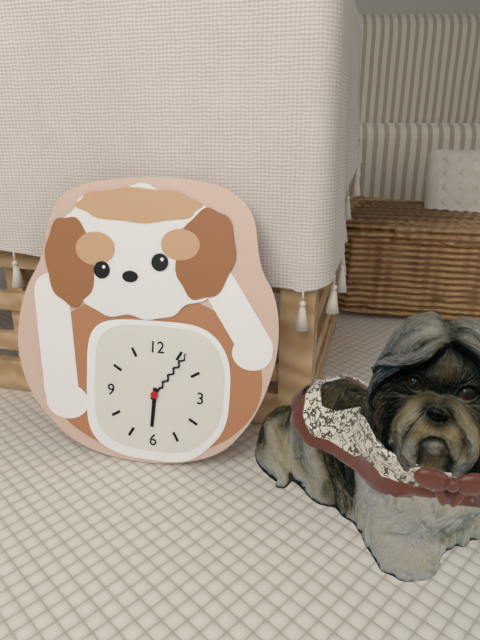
{"hour": 6, "minute": 6}
